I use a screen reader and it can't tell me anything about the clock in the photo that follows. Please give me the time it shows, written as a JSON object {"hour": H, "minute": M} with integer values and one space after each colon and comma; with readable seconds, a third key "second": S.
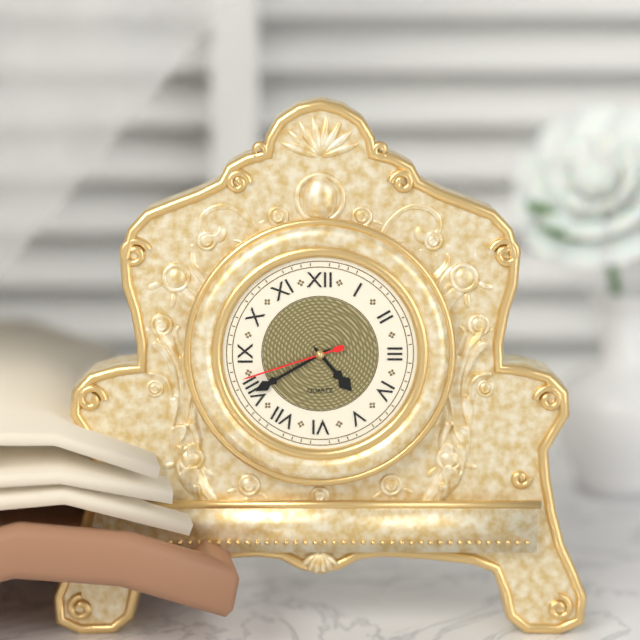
{"hour": 4, "minute": 40, "second": 42}
